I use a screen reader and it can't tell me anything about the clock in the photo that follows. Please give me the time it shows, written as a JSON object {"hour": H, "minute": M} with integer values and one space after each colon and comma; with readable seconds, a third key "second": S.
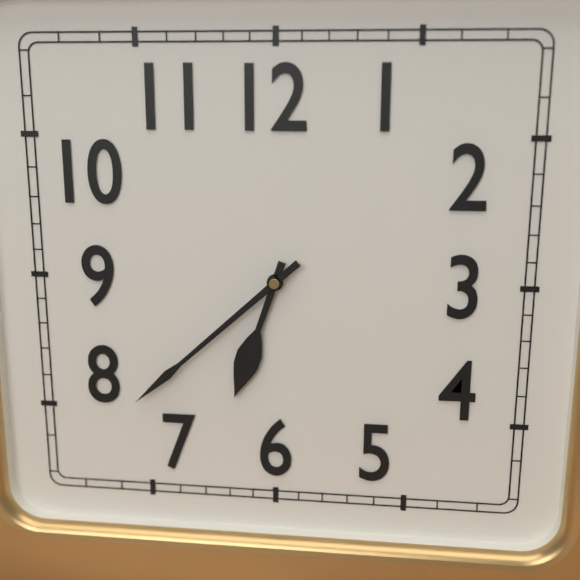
{"hour": 6, "minute": 38}
